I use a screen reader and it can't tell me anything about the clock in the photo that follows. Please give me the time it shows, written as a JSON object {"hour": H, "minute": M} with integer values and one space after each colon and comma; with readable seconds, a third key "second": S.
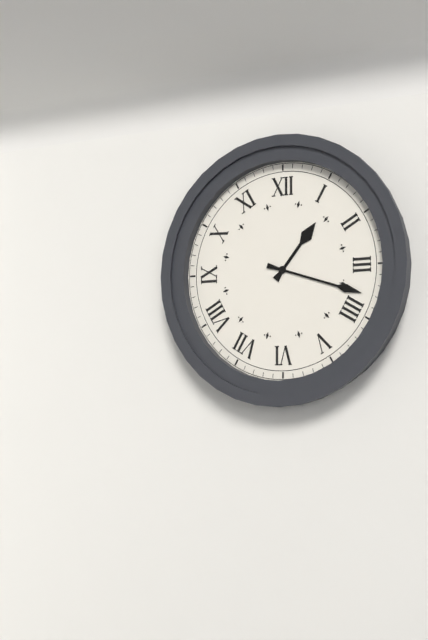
{"hour": 1, "minute": 18}
